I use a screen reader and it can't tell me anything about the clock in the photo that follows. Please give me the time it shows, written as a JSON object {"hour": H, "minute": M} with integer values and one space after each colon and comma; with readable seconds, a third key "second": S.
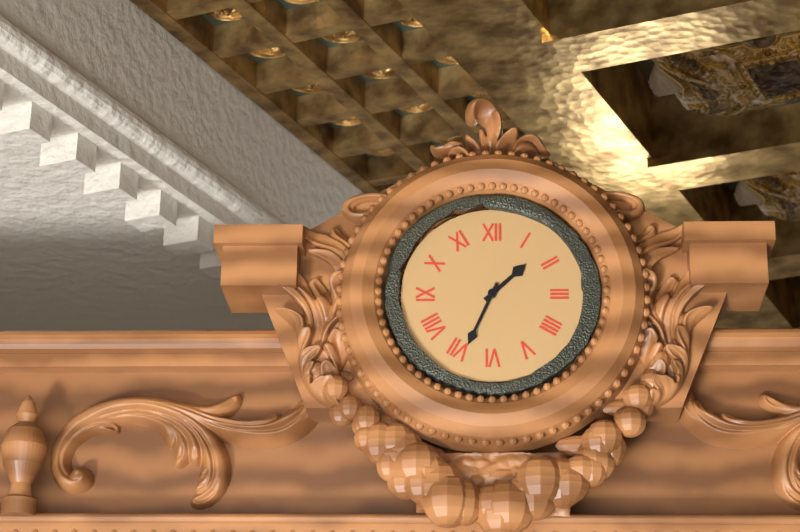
{"hour": 1, "minute": 34}
